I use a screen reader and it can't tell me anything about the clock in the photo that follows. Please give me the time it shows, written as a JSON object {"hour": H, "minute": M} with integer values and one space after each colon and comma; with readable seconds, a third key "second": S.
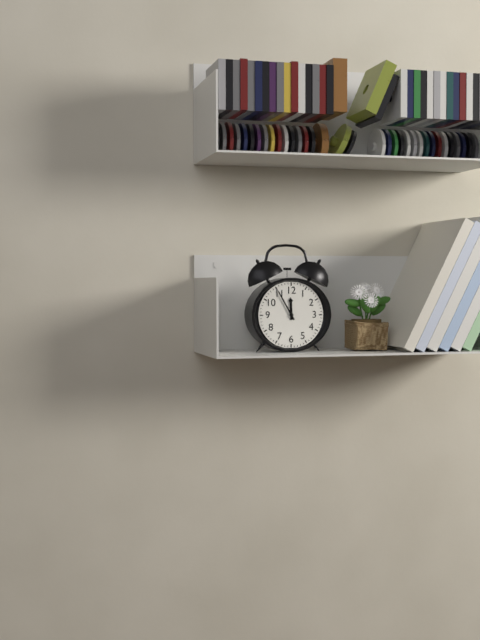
{"hour": 11, "minute": 55}
